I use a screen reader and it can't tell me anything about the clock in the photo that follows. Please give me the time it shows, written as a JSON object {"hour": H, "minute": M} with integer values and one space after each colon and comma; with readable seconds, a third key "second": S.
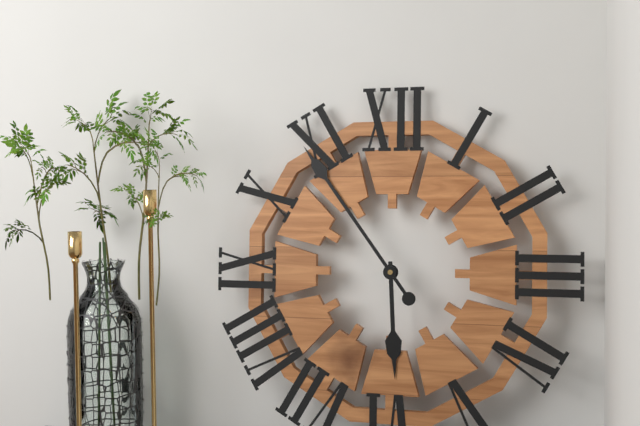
{"hour": 5, "minute": 54}
